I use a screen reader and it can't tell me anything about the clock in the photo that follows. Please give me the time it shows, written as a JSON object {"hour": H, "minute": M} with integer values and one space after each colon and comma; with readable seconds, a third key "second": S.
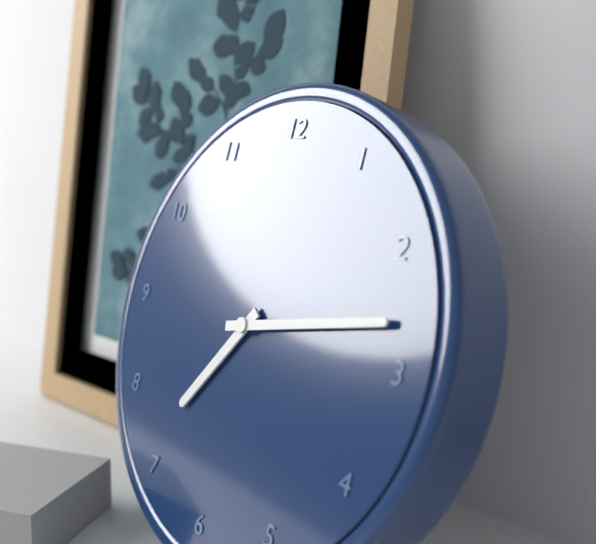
{"hour": 7, "minute": 13}
